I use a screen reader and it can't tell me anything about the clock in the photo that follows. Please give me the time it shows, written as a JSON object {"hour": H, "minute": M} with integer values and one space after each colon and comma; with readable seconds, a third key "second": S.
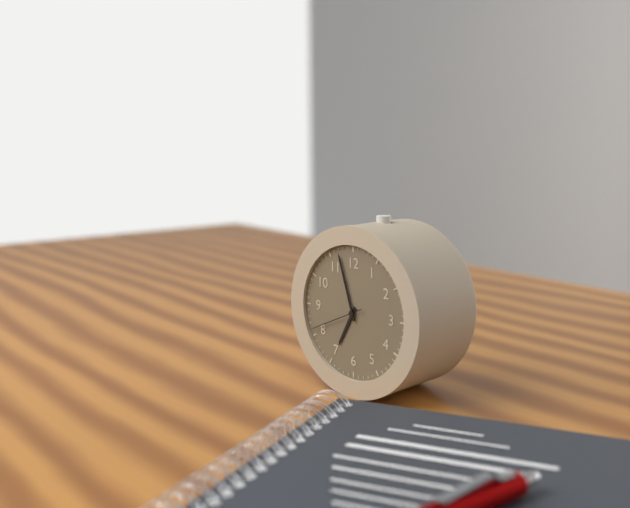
{"hour": 6, "minute": 57, "second": 41}
